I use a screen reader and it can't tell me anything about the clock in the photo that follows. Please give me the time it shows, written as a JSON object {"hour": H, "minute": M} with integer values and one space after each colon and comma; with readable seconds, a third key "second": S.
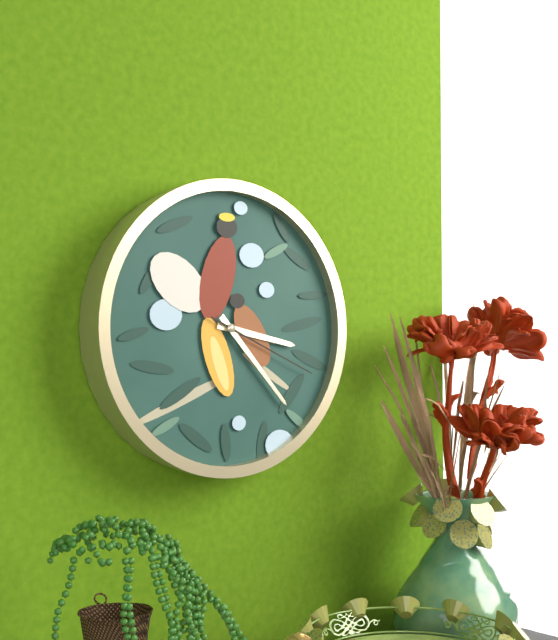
{"hour": 3, "minute": 23, "second": 19}
